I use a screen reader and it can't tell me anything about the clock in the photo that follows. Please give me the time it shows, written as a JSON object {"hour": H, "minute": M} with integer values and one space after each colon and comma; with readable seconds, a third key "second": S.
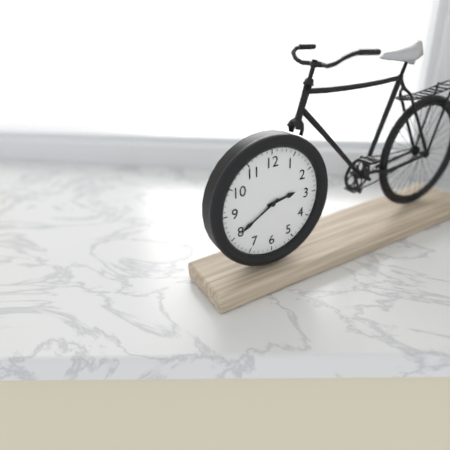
{"hour": 2, "minute": 40}
